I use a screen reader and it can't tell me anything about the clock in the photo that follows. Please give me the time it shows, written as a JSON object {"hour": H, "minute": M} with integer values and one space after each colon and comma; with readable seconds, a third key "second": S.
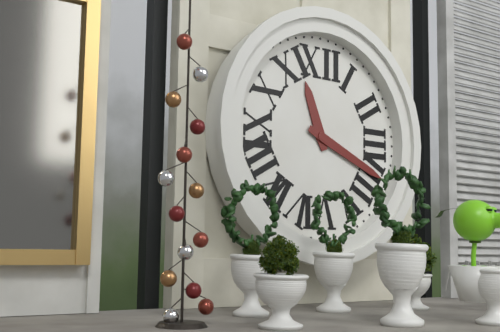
{"hour": 11, "minute": 19}
